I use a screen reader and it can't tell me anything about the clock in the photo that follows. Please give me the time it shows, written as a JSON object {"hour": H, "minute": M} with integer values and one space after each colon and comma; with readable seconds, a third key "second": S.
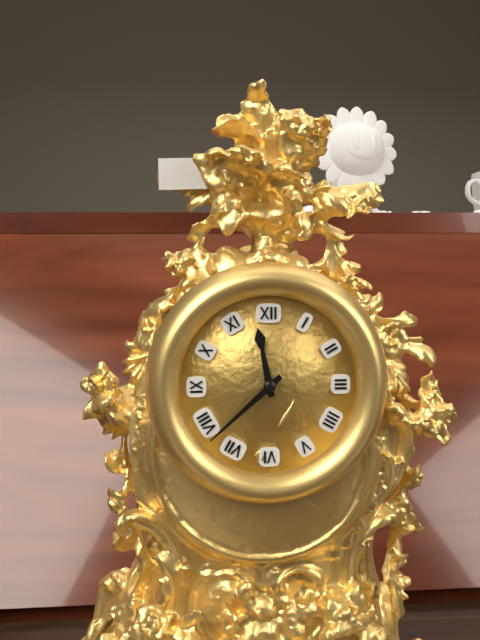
{"hour": 11, "minute": 38}
